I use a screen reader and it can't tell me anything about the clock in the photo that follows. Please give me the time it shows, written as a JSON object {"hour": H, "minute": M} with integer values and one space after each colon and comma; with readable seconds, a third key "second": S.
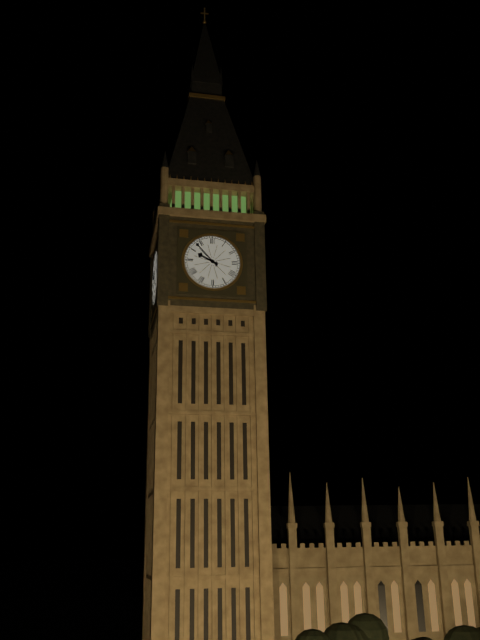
{"hour": 9, "minute": 53}
